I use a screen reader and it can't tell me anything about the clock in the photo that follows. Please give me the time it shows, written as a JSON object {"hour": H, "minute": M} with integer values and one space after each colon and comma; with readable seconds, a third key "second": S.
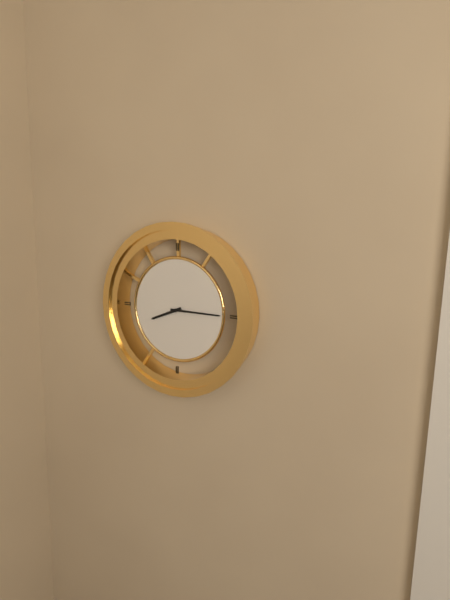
{"hour": 8, "minute": 15}
